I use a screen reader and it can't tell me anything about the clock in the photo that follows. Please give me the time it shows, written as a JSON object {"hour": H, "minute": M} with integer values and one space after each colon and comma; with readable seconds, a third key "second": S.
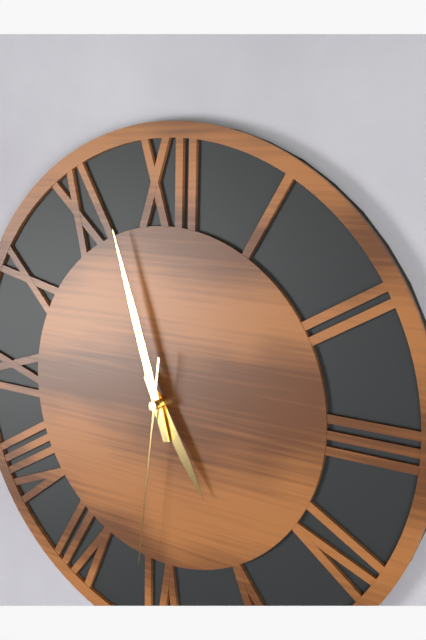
{"hour": 4, "minute": 57, "second": 31}
